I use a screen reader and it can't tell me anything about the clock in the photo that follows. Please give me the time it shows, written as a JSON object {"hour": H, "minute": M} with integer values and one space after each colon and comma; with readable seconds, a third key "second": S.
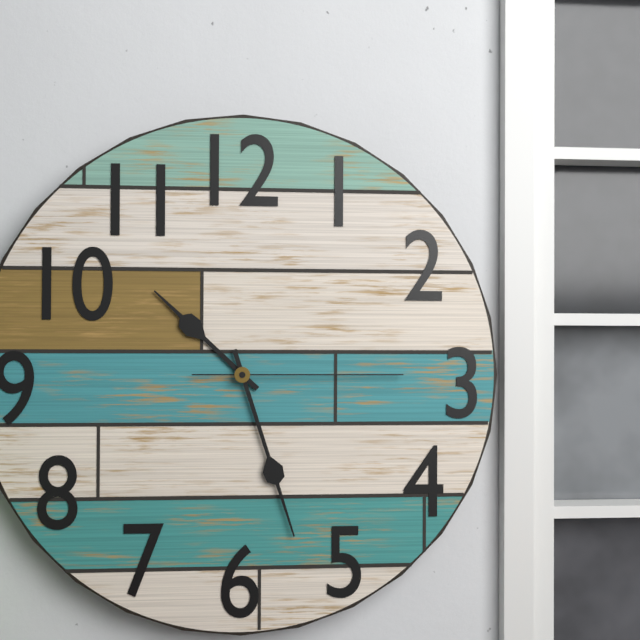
{"hour": 10, "minute": 27, "second": 15}
